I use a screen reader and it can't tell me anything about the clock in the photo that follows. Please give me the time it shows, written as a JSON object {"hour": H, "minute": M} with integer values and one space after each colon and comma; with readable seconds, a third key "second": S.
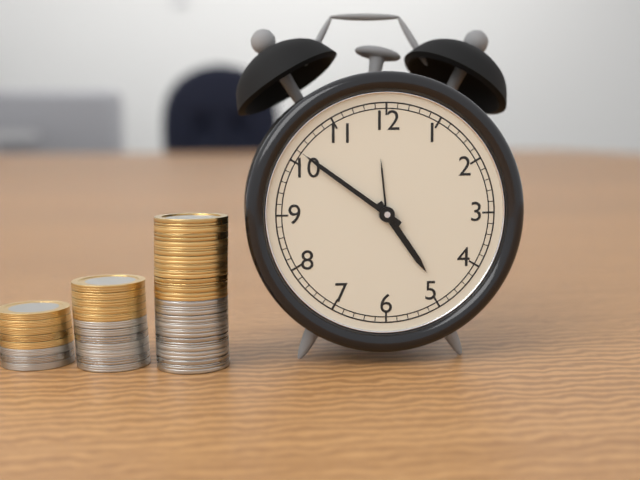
{"hour": 4, "minute": 51}
